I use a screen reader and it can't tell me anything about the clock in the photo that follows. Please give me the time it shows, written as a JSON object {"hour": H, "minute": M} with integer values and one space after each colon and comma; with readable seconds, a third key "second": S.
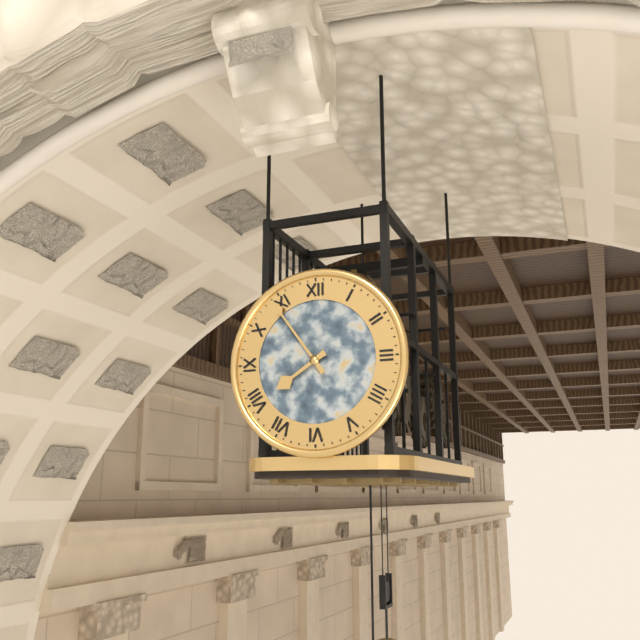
{"hour": 7, "minute": 54}
